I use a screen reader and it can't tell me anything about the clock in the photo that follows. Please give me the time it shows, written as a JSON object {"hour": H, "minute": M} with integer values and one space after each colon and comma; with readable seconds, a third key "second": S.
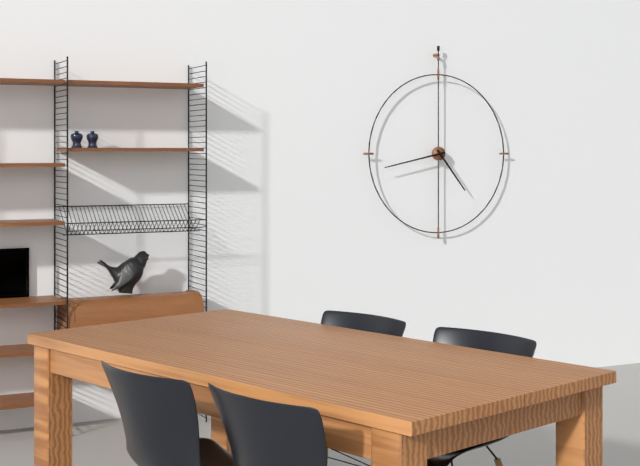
{"hour": 4, "minute": 43}
